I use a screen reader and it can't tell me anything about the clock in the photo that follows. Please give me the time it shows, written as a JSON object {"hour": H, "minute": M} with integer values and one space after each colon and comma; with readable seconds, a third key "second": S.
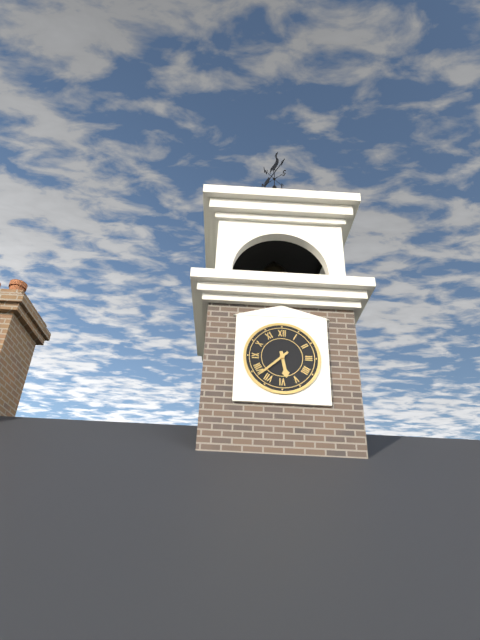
{"hour": 5, "minute": 38}
